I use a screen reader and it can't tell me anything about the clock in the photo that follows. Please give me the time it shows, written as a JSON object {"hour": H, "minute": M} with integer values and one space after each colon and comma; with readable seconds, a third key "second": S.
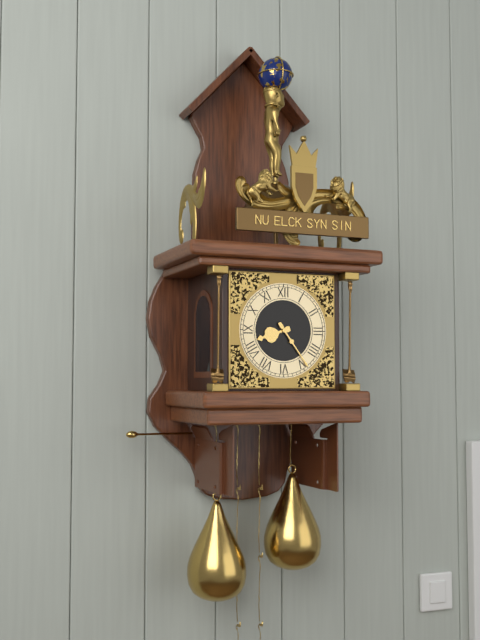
{"hour": 8, "minute": 24}
